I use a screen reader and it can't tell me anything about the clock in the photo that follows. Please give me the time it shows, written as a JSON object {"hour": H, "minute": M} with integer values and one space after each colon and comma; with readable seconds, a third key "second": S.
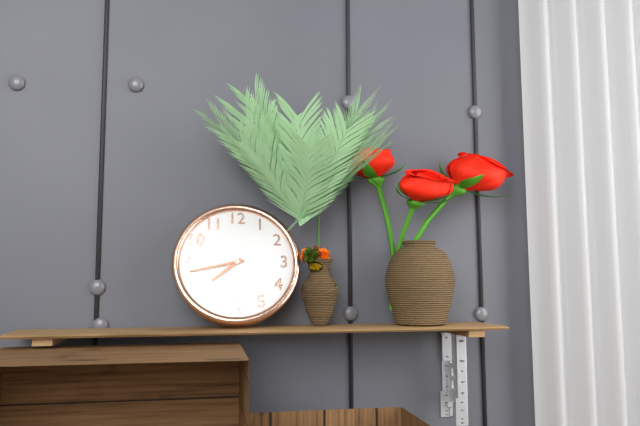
{"hour": 7, "minute": 43}
